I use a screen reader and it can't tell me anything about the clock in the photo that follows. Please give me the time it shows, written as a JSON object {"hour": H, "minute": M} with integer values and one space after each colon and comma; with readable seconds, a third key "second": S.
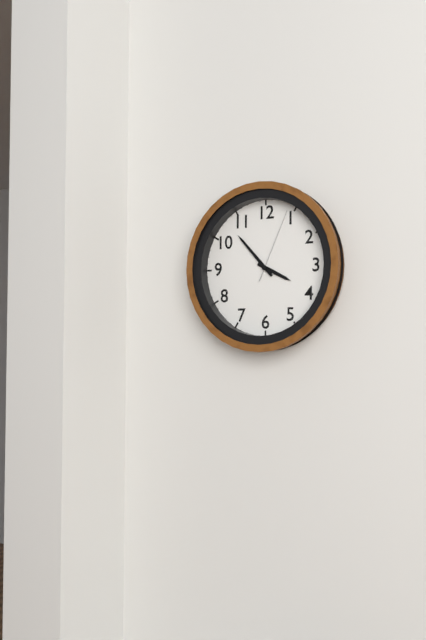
{"hour": 3, "minute": 53, "second": 4}
